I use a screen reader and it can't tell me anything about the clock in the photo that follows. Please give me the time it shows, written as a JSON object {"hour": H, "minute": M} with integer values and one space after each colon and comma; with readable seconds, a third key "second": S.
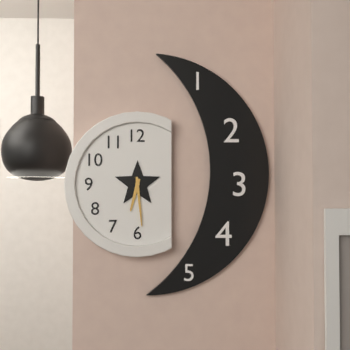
{"hour": 6, "minute": 29}
